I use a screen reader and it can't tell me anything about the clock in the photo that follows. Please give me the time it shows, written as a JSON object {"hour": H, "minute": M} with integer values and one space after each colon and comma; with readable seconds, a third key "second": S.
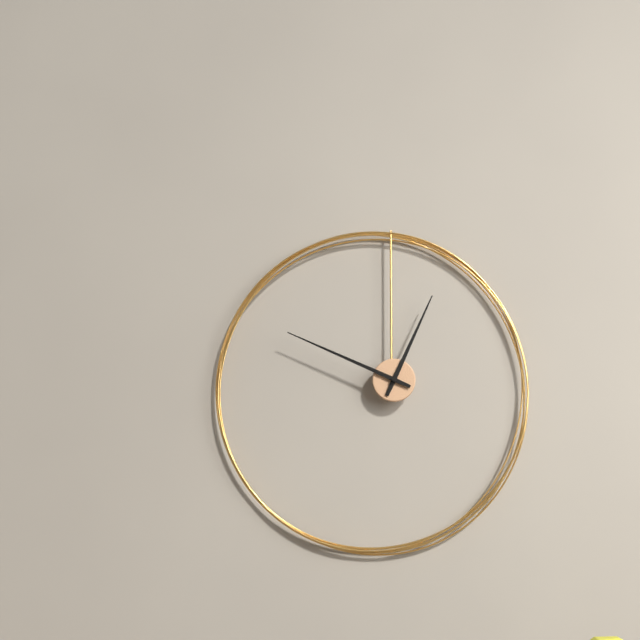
{"hour": 12, "minute": 49}
